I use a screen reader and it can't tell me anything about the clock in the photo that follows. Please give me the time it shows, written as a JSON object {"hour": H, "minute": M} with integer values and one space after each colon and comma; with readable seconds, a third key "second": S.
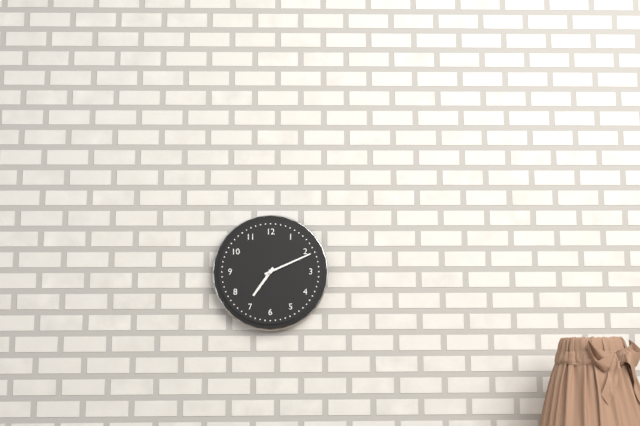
{"hour": 7, "minute": 11}
